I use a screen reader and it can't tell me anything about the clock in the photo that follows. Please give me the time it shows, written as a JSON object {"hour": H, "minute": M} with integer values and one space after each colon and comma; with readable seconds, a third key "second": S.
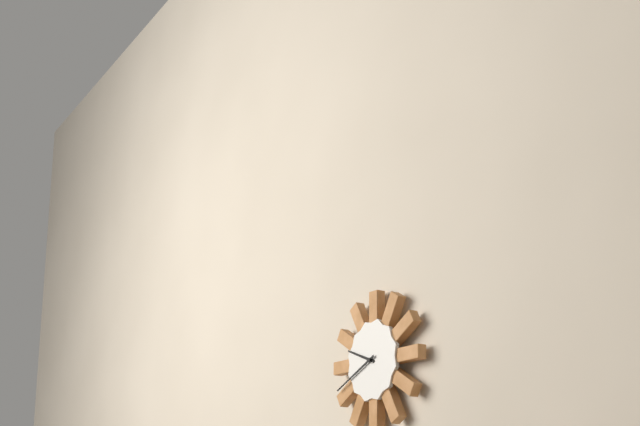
{"hour": 9, "minute": 41}
